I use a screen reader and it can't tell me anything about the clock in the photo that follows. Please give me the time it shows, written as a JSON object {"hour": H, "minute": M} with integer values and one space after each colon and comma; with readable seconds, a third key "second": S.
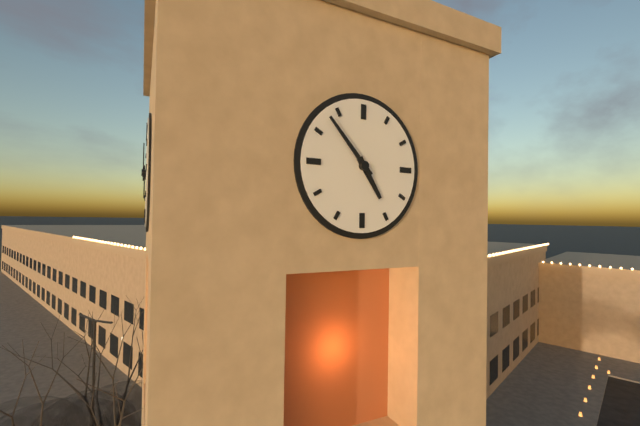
{"hour": 4, "minute": 53}
